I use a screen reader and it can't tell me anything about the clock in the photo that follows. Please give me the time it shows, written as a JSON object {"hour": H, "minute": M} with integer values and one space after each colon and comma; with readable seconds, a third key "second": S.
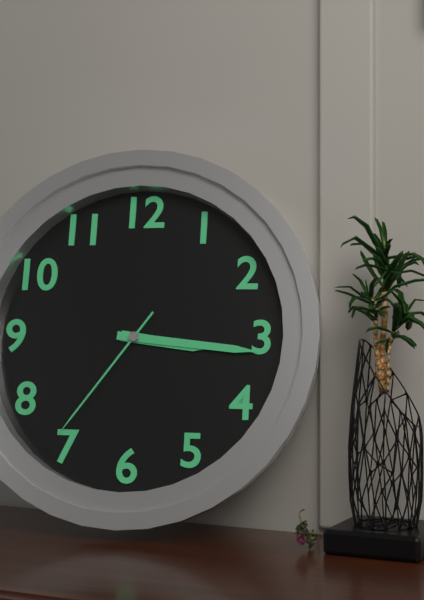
{"hour": 3, "minute": 16, "second": 36}
